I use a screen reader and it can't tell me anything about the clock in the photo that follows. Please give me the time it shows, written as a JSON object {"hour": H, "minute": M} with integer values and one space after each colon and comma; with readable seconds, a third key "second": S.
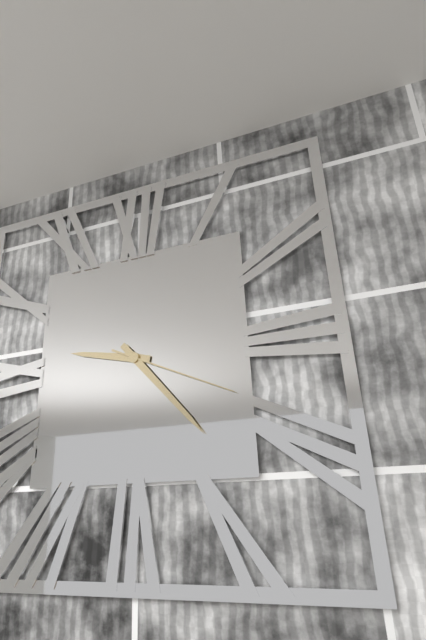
{"hour": 9, "minute": 23, "second": 19}
